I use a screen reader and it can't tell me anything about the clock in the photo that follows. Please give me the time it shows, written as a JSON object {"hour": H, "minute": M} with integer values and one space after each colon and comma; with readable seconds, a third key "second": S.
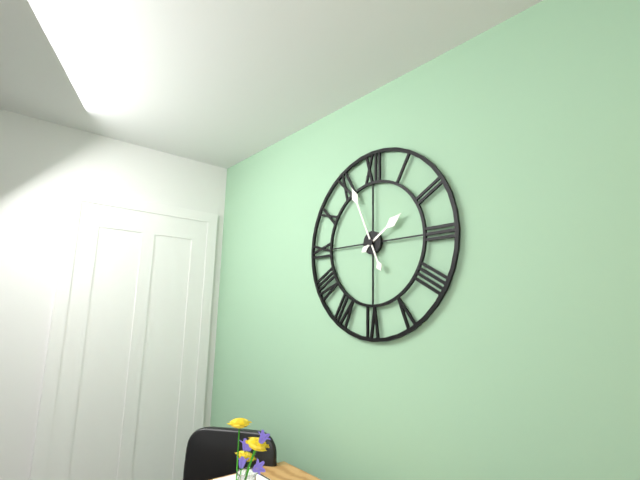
{"hour": 1, "minute": 56}
